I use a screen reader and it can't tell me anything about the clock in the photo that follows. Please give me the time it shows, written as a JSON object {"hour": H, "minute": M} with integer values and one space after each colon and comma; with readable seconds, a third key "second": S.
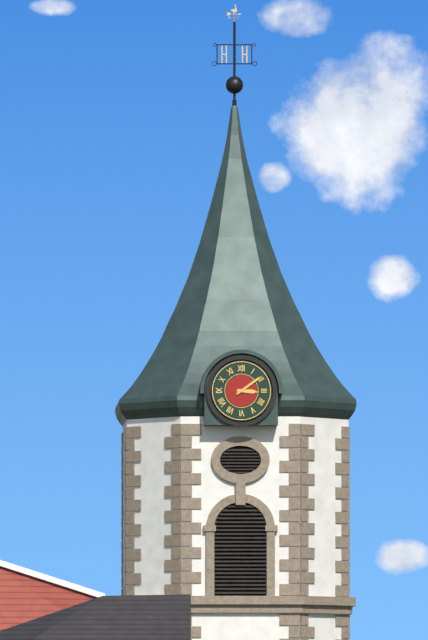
{"hour": 3, "minute": 9}
